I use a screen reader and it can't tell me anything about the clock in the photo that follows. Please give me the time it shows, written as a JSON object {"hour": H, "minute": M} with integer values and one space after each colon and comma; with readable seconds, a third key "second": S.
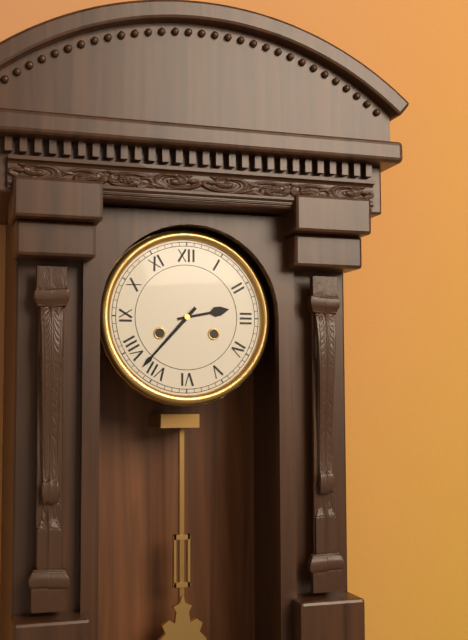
{"hour": 2, "minute": 37}
